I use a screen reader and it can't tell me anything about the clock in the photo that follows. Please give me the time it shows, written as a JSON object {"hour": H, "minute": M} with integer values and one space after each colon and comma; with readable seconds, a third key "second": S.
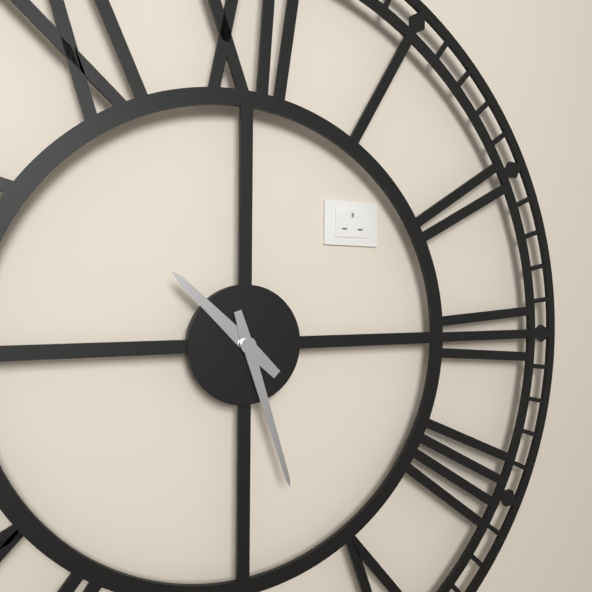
{"hour": 10, "minute": 27}
